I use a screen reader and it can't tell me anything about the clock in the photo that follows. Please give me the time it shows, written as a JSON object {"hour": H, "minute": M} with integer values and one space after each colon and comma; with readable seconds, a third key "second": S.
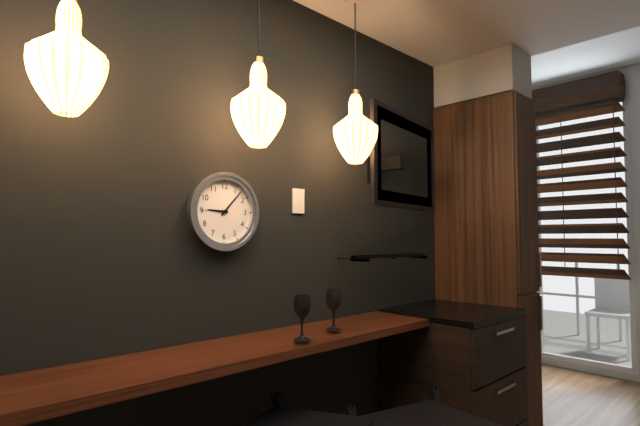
{"hour": 9, "minute": 7}
